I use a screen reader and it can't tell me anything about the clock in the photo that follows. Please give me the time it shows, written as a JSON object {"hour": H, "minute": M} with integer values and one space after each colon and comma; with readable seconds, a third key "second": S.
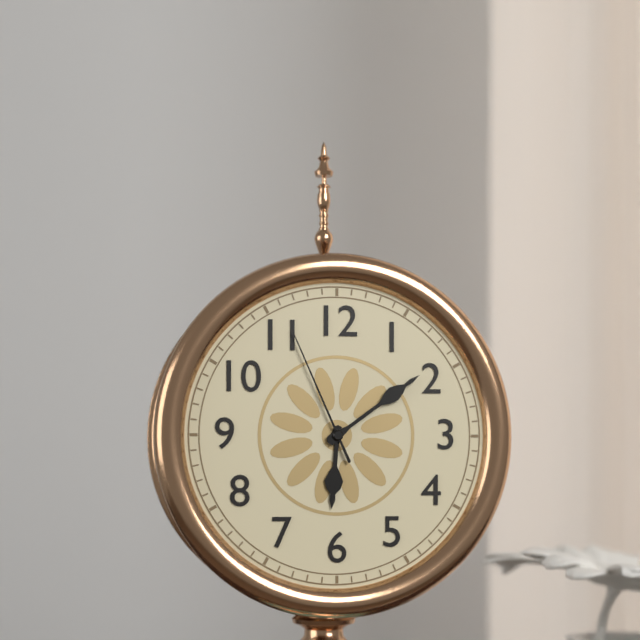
{"hour": 6, "minute": 9, "second": 56}
